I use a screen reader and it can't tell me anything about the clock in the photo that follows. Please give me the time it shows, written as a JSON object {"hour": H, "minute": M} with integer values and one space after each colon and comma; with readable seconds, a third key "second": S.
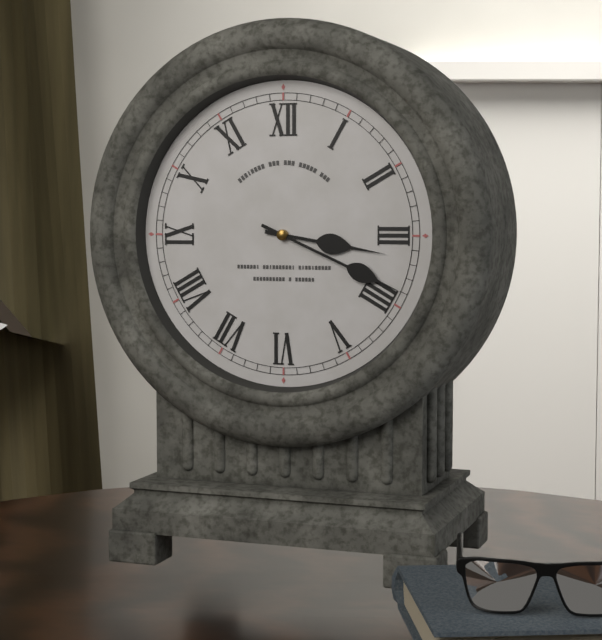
{"hour": 3, "minute": 19}
